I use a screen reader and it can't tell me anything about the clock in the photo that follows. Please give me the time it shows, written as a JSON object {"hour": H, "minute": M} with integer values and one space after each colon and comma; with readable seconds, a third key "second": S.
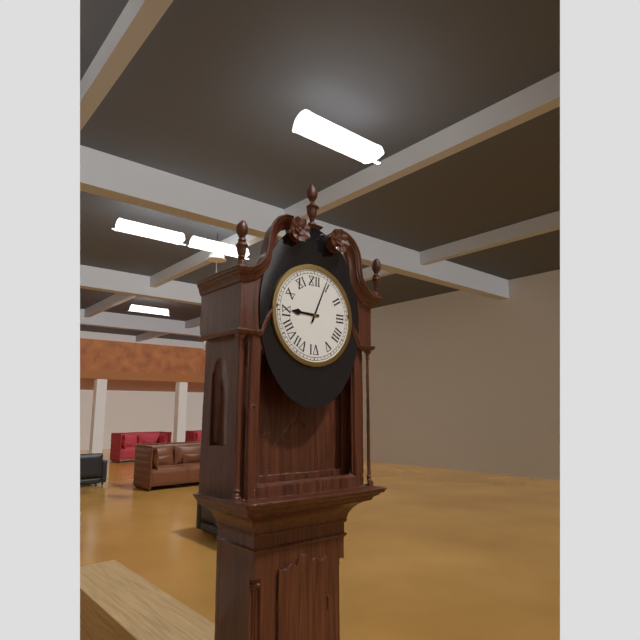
{"hour": 9, "minute": 4}
